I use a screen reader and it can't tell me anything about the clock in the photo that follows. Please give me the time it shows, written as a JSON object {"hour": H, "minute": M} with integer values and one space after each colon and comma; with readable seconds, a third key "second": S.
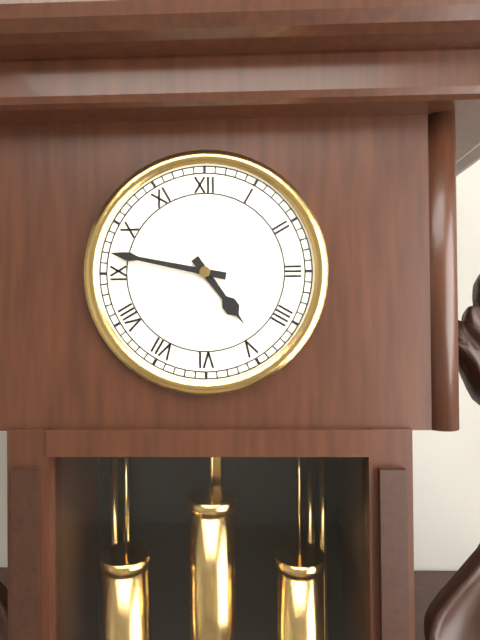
{"hour": 4, "minute": 47}
